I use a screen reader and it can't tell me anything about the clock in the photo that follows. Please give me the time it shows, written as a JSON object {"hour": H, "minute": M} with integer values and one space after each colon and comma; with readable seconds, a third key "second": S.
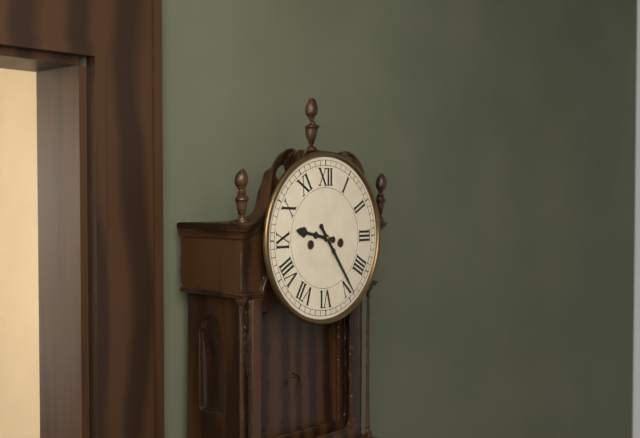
{"hour": 9, "minute": 24}
